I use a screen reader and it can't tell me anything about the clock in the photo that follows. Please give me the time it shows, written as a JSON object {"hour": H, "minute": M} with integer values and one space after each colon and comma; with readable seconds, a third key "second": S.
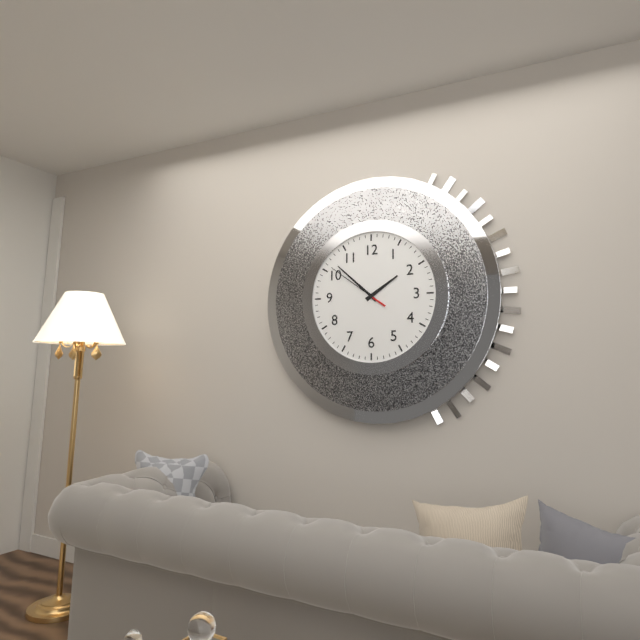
{"hour": 1, "minute": 52, "second": 51}
